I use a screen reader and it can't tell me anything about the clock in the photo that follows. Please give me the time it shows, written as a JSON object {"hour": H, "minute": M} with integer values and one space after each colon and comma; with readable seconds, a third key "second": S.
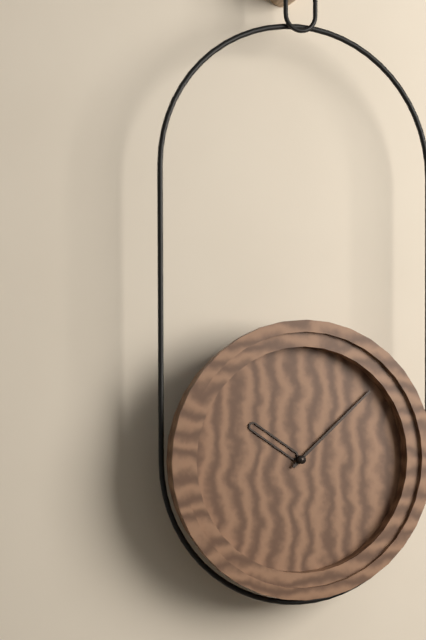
{"hour": 10, "minute": 8}
